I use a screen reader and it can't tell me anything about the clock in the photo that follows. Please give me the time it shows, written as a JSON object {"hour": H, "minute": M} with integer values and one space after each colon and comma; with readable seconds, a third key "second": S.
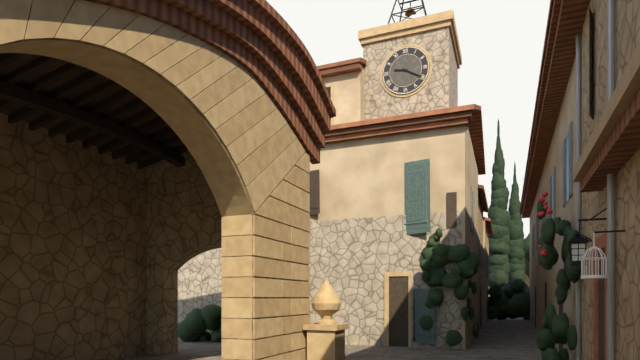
{"hour": 9, "minute": 20}
